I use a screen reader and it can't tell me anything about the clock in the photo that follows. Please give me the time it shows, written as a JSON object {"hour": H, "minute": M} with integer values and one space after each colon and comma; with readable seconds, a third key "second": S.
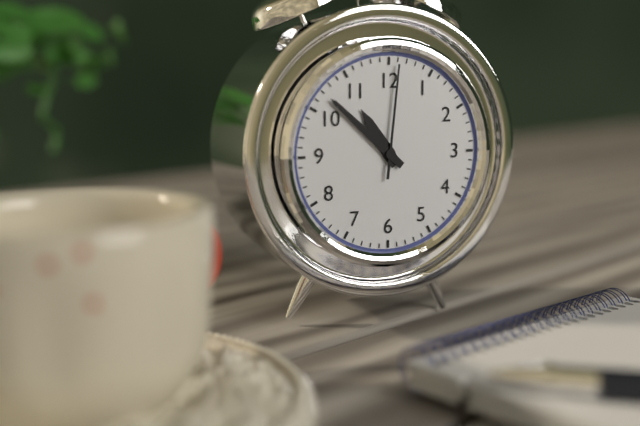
{"hour": 10, "minute": 52, "second": 1}
